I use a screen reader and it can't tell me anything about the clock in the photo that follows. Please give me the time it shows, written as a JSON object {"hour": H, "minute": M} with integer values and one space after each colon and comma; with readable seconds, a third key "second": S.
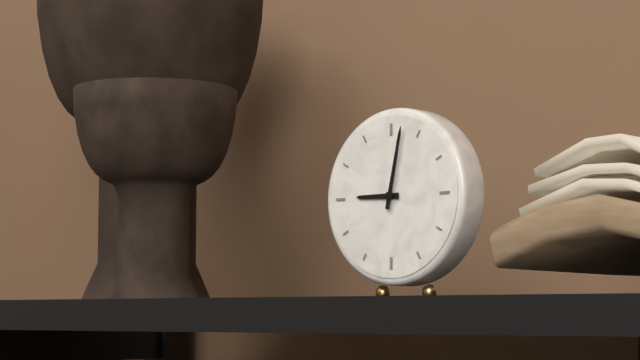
{"hour": 9, "minute": 2}
